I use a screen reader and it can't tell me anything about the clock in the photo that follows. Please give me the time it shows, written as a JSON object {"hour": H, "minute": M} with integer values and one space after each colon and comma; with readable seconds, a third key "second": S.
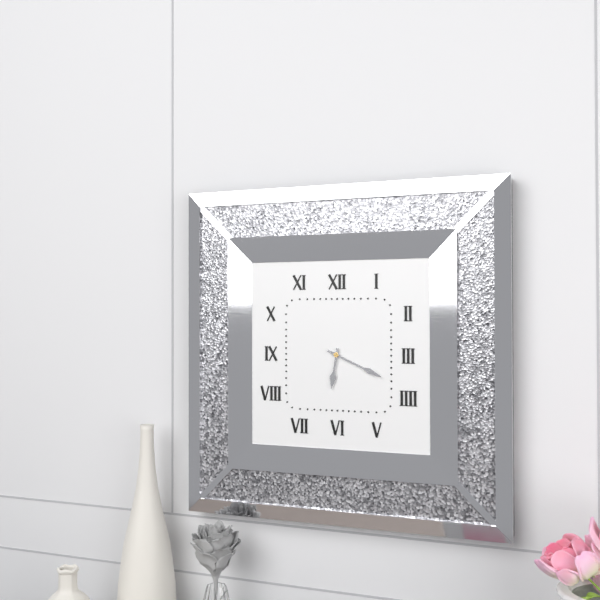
{"hour": 6, "minute": 19}
